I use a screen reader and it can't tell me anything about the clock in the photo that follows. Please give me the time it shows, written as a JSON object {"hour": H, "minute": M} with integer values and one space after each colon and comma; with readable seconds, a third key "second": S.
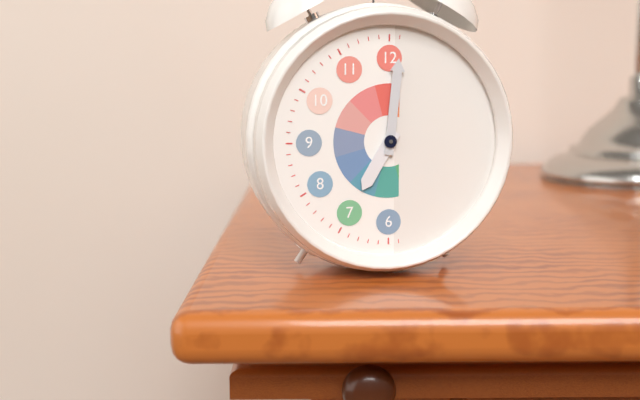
{"hour": 7, "minute": 1}
